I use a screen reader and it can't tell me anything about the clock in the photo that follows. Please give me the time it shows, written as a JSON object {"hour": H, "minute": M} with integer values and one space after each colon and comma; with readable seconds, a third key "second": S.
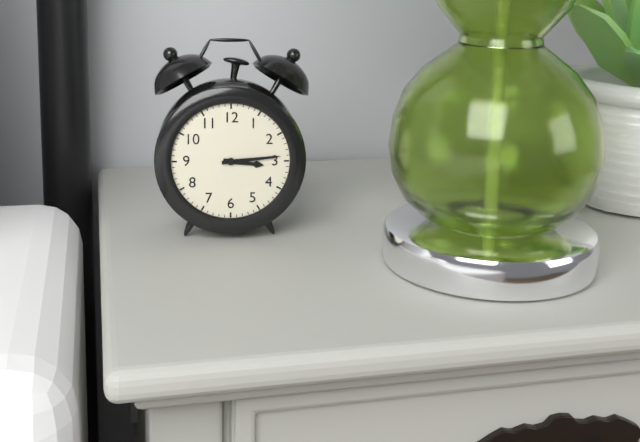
{"hour": 3, "minute": 14}
